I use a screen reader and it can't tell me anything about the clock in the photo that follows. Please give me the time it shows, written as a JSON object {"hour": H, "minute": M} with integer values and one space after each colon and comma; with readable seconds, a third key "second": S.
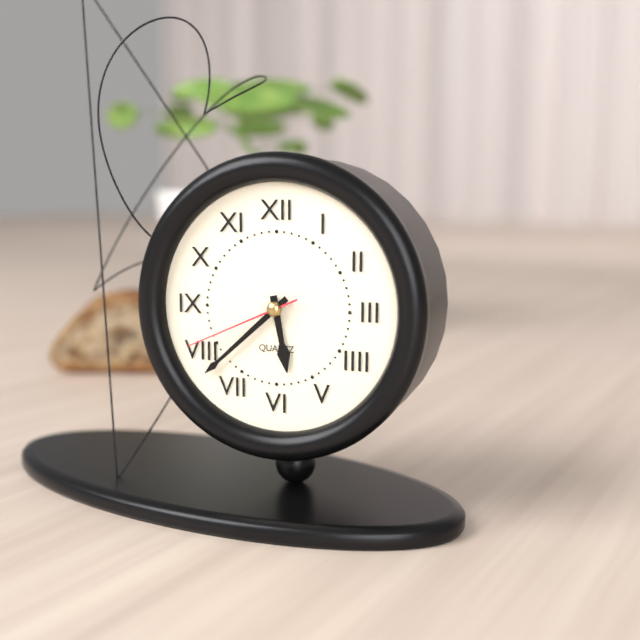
{"hour": 5, "minute": 38, "second": 41}
